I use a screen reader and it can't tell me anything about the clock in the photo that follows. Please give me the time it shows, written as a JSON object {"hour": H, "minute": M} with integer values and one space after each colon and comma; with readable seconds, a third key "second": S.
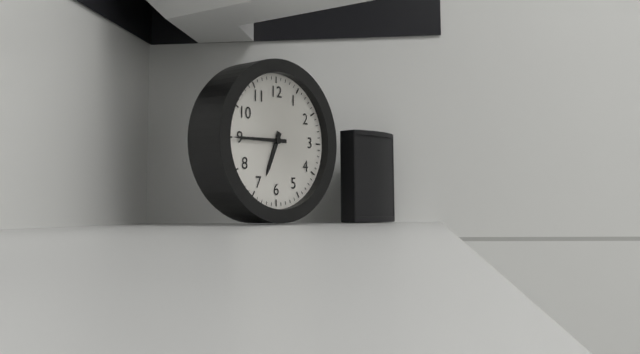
{"hour": 6, "minute": 45}
